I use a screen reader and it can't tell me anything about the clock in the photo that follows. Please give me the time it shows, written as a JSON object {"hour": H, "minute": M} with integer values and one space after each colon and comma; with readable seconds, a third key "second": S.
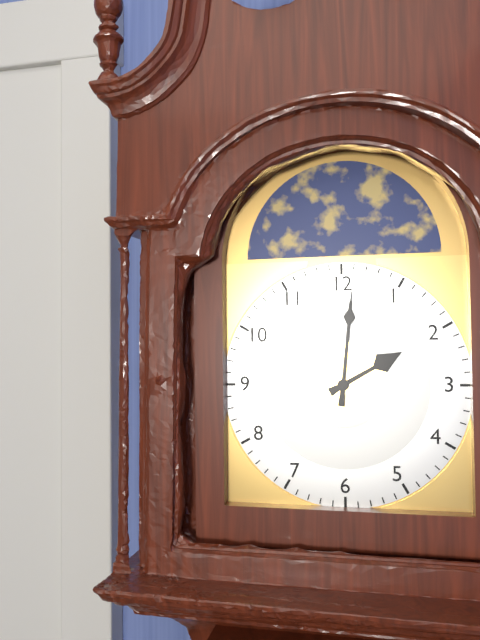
{"hour": 2, "minute": 1}
